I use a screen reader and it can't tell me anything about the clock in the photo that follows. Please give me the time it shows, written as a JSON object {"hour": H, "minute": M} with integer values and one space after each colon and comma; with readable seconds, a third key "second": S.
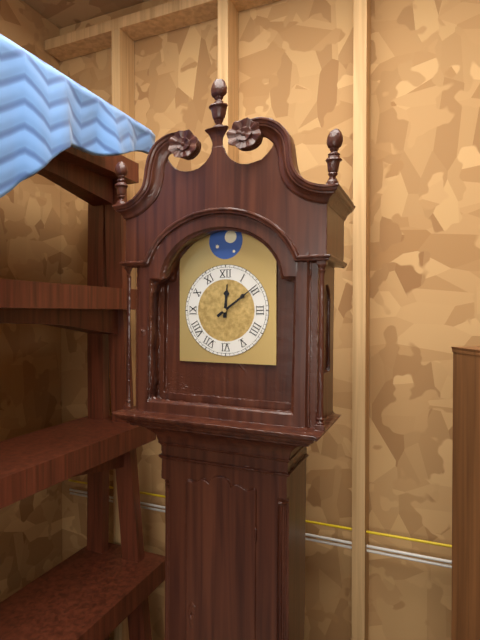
{"hour": 12, "minute": 9}
